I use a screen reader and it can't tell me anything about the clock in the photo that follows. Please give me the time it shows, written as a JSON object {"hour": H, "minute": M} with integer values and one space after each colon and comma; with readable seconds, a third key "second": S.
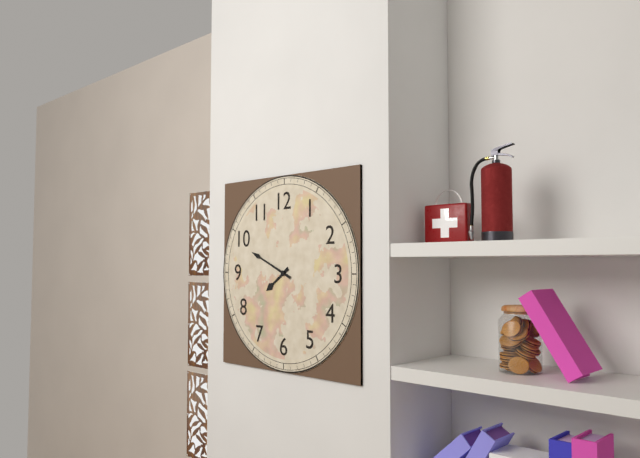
{"hour": 7, "minute": 49}
